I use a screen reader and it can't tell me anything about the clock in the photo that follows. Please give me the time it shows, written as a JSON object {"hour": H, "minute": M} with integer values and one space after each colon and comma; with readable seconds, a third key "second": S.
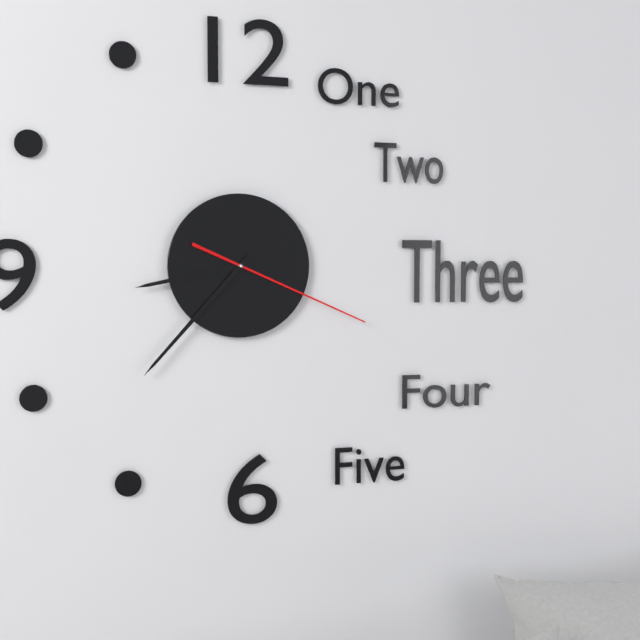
{"hour": 8, "minute": 37, "second": 19}
